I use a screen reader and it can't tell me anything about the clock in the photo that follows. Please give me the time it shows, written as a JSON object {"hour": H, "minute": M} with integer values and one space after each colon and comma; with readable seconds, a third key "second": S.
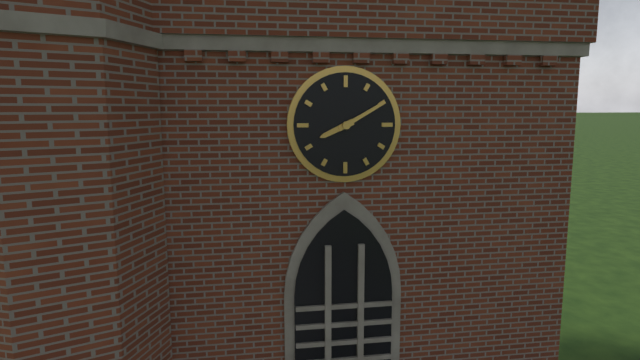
{"hour": 8, "minute": 10}
